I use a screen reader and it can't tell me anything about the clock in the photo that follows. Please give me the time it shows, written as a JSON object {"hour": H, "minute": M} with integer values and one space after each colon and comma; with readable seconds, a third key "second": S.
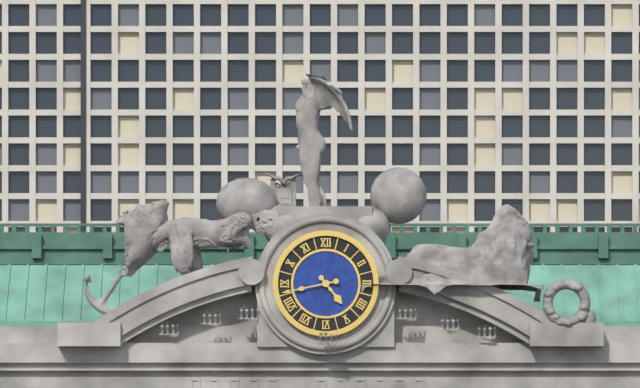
{"hour": 4, "minute": 43}
